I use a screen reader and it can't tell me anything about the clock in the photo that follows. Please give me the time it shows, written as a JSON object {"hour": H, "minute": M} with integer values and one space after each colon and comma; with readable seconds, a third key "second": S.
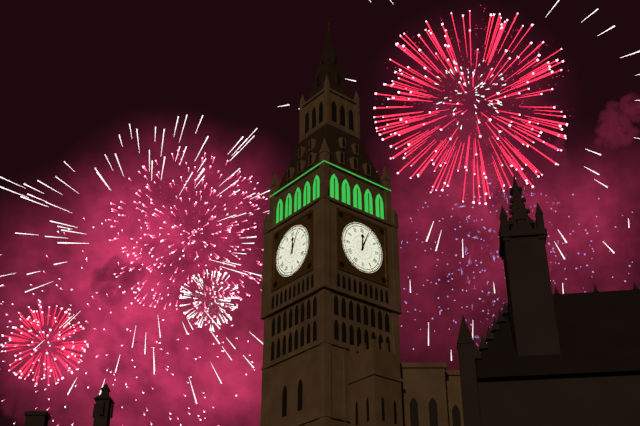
{"hour": 12, "minute": 4}
